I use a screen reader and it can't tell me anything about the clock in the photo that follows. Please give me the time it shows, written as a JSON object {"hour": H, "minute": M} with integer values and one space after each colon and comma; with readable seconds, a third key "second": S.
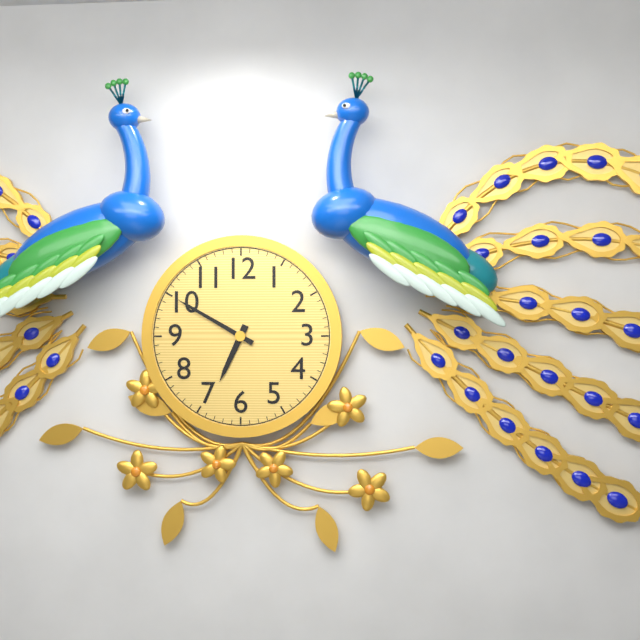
{"hour": 6, "minute": 50}
